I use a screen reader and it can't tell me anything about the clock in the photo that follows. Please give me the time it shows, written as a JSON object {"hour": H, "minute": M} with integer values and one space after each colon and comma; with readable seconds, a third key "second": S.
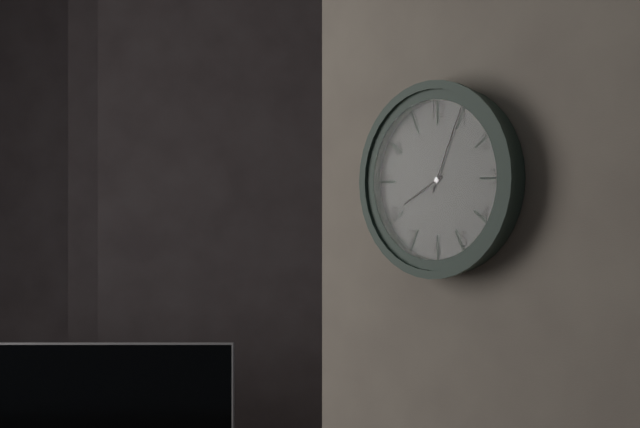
{"hour": 8, "minute": 4}
